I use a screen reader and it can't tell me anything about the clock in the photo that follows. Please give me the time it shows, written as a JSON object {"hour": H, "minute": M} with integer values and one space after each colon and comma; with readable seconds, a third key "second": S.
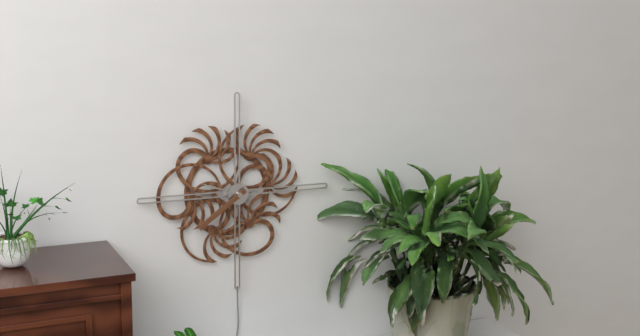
{"hour": 9, "minute": 39}
